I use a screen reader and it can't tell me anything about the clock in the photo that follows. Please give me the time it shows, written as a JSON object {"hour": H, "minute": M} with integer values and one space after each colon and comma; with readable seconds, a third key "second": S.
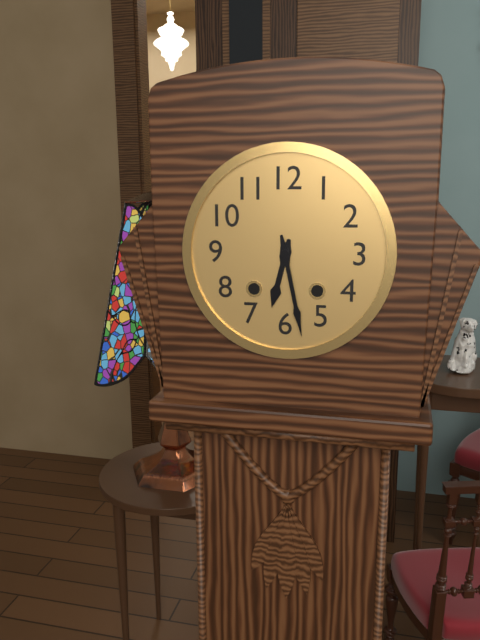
{"hour": 6, "minute": 28}
